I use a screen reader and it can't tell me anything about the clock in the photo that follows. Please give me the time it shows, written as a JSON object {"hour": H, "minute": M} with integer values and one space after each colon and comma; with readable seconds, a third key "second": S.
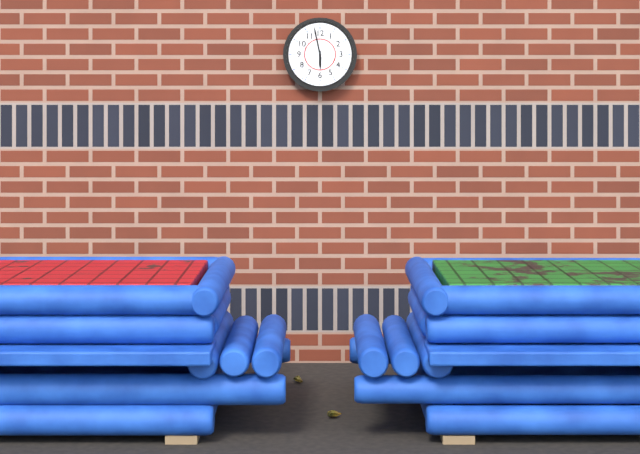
{"hour": 5, "minute": 58}
